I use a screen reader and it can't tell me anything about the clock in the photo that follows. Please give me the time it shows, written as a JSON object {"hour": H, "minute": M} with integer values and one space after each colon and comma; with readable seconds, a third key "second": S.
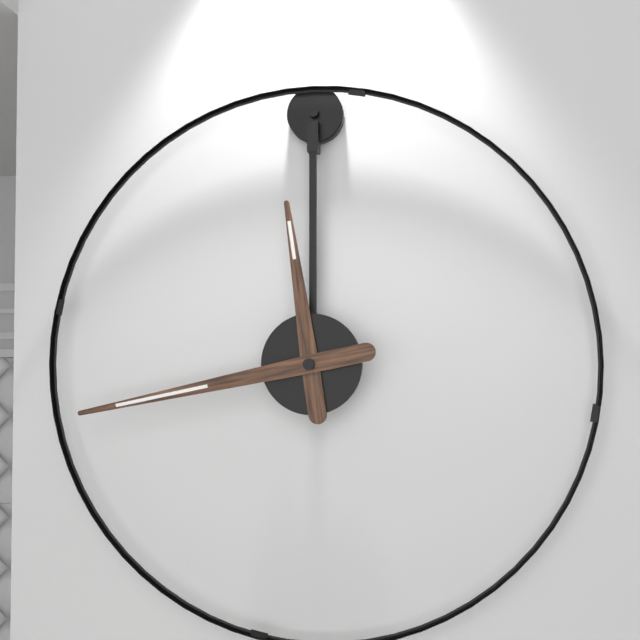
{"hour": 11, "minute": 43}
